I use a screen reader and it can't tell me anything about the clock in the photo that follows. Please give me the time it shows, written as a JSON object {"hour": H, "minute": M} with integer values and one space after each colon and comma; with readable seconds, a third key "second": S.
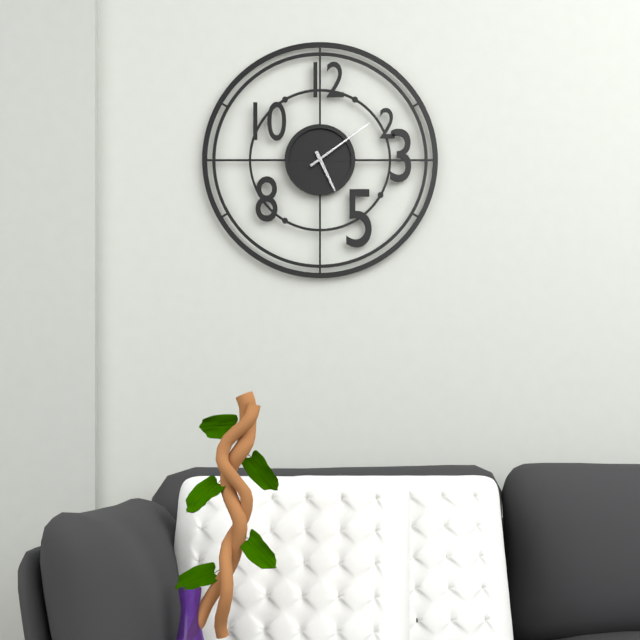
{"hour": 5, "minute": 9}
